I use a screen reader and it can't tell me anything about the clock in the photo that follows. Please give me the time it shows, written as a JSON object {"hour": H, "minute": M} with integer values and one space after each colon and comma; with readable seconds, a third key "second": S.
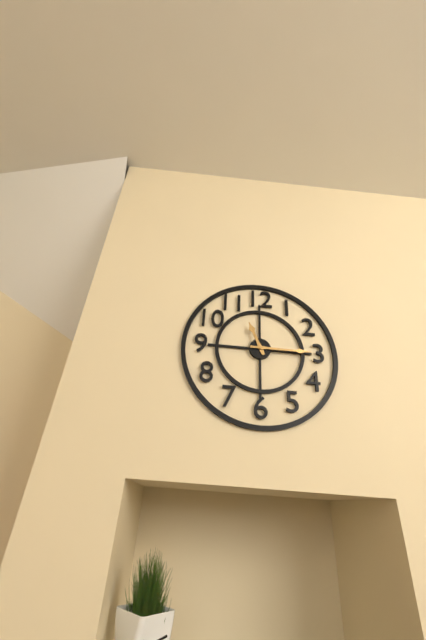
{"hour": 11, "minute": 15}
